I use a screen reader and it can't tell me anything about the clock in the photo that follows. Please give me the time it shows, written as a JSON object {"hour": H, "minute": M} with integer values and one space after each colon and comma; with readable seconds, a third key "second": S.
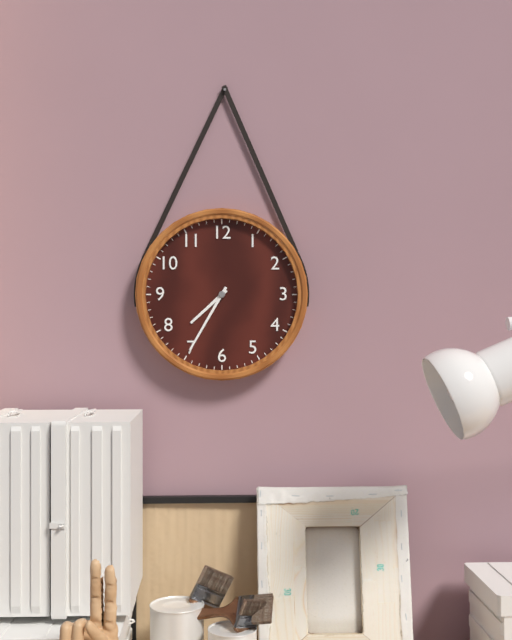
{"hour": 7, "minute": 35}
